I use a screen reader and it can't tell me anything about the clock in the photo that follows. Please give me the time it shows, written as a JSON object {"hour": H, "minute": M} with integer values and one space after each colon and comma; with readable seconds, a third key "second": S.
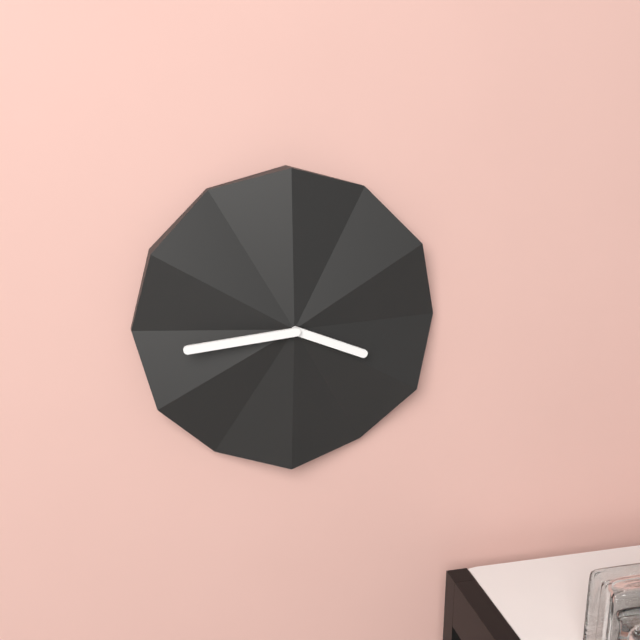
{"hour": 3, "minute": 44}
